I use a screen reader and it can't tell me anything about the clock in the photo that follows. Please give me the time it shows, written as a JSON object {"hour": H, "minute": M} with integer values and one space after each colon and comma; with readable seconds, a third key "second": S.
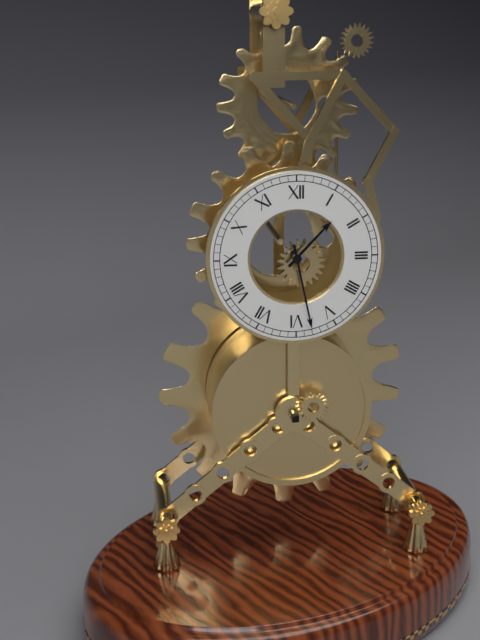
{"hour": 1, "minute": 28}
